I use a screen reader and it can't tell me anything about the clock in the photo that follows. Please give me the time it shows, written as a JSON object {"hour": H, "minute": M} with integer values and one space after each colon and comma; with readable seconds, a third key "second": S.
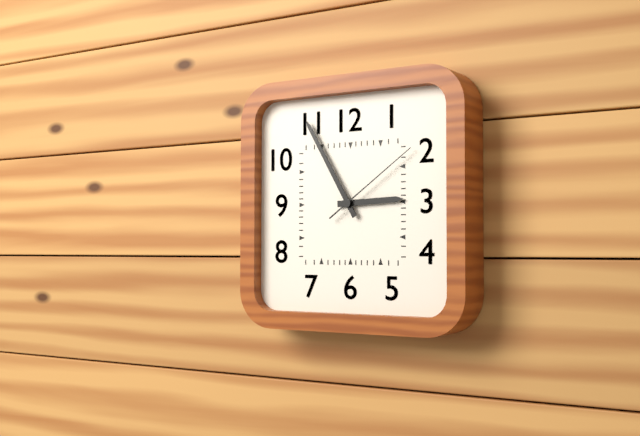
{"hour": 2, "minute": 55, "second": 9}
